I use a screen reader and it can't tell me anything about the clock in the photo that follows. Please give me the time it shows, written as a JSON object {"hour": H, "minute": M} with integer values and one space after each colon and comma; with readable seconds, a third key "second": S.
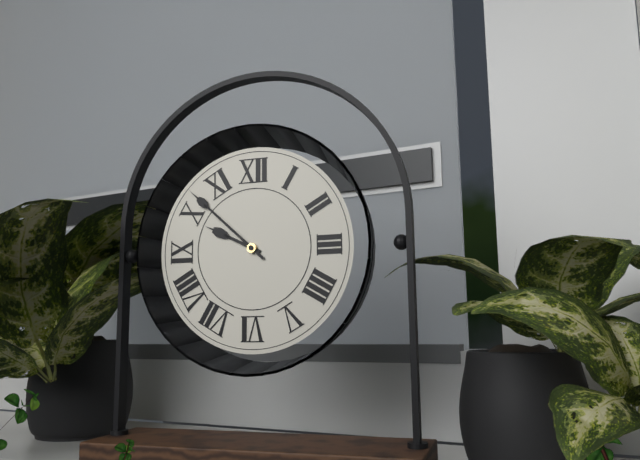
{"hour": 9, "minute": 52}
